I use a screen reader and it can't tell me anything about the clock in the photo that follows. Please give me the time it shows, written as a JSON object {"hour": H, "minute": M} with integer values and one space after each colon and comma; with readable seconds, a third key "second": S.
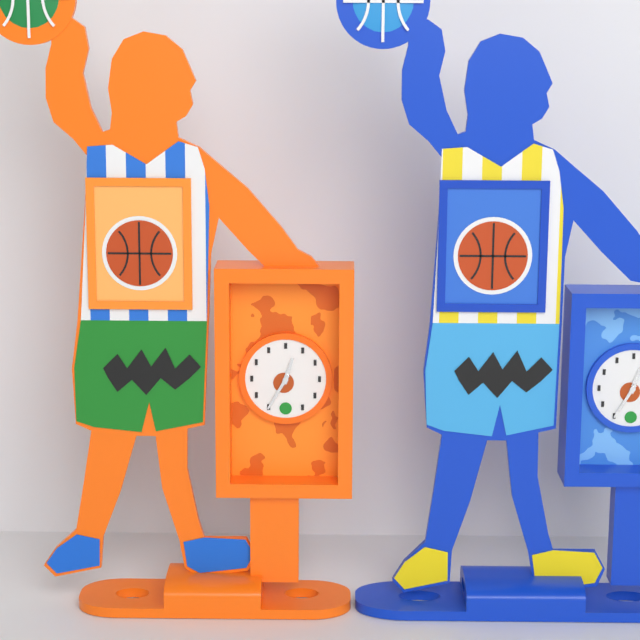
{"hour": 12, "minute": 35}
